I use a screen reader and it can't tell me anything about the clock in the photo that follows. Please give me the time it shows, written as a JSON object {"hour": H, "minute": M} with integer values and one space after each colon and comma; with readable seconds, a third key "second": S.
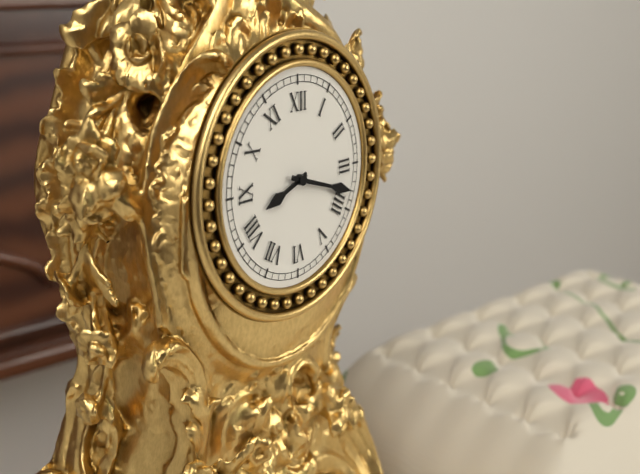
{"hour": 8, "minute": 18}
